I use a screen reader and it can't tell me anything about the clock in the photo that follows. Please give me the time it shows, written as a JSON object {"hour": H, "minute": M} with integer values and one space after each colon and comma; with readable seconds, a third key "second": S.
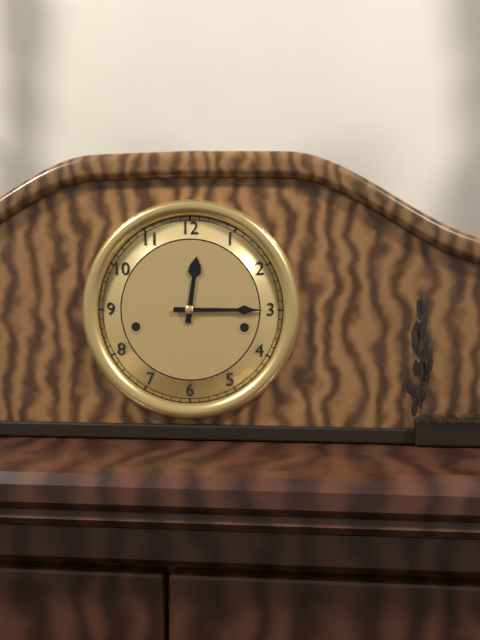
{"hour": 12, "minute": 15}
